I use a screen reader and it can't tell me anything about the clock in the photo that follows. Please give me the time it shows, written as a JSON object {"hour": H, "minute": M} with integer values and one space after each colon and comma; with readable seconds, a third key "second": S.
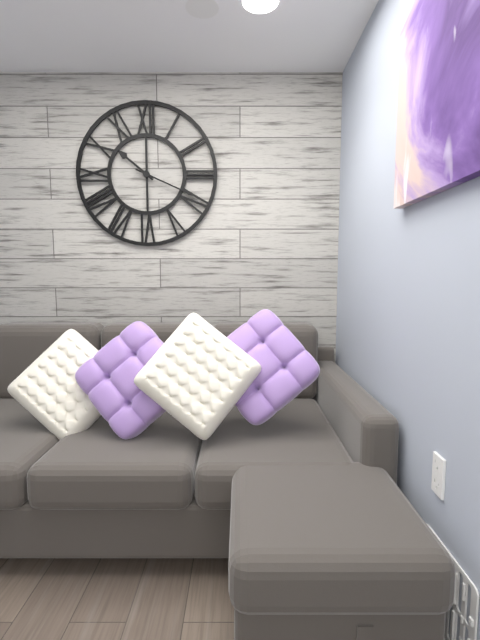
{"hour": 10, "minute": 19}
